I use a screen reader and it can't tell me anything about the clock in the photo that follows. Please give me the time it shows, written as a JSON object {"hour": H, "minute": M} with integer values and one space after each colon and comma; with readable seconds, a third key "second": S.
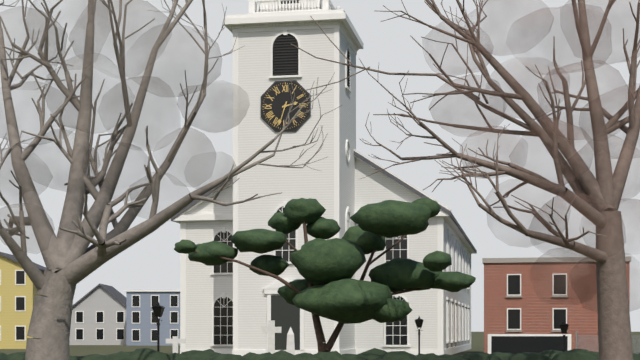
{"hour": 2, "minute": 33}
